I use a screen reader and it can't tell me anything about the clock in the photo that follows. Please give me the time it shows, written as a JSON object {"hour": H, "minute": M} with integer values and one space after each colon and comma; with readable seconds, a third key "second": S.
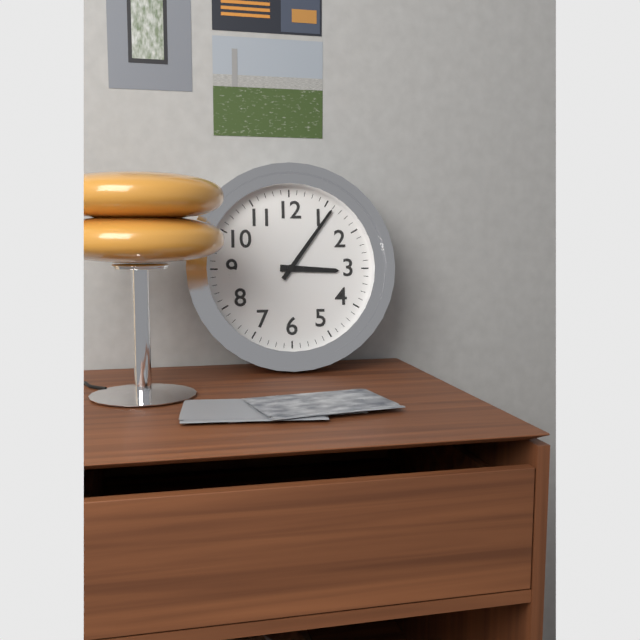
{"hour": 3, "minute": 6}
